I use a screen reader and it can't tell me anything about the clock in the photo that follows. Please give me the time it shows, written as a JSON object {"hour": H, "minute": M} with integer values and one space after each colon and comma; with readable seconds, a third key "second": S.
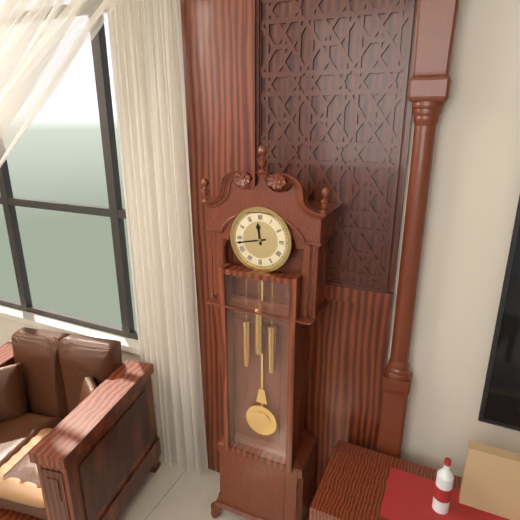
{"hour": 11, "minute": 43}
